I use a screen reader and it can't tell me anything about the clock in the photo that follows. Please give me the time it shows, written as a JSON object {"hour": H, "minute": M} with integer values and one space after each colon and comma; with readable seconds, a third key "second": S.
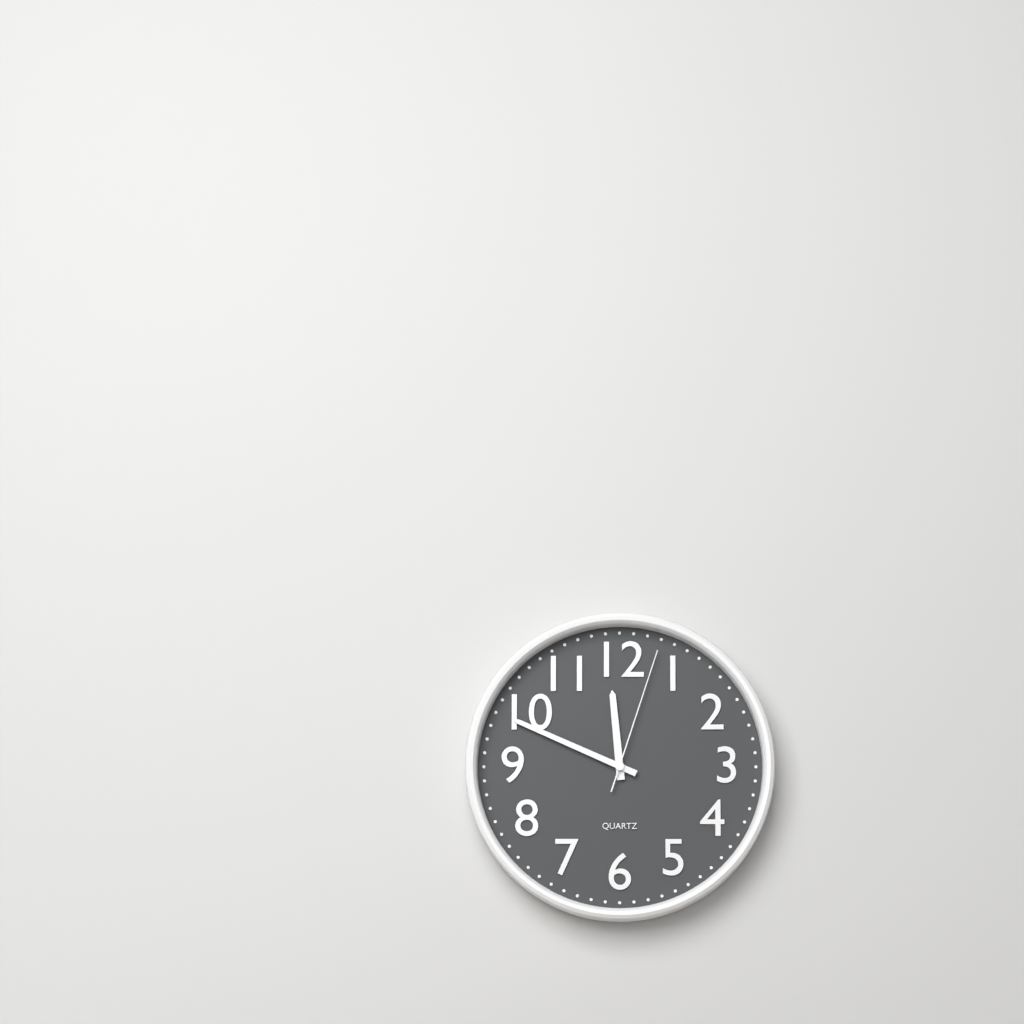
{"hour": 11, "minute": 49, "second": 3}
